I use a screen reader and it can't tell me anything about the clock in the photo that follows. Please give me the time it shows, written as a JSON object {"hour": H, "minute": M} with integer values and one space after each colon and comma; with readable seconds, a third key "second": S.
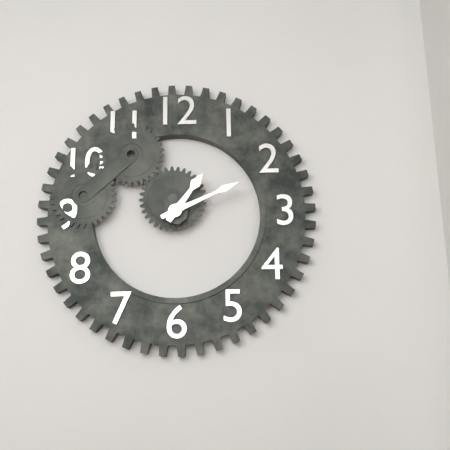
{"hour": 1, "minute": 11}
